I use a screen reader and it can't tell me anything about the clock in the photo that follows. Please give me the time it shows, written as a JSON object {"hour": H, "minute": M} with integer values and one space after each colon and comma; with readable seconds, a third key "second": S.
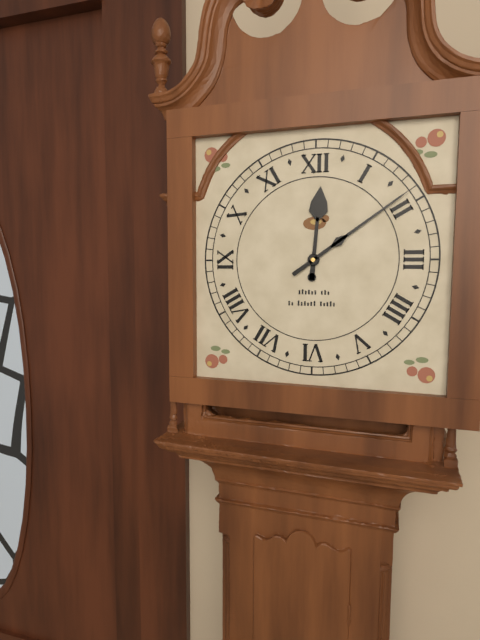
{"hour": 12, "minute": 9}
